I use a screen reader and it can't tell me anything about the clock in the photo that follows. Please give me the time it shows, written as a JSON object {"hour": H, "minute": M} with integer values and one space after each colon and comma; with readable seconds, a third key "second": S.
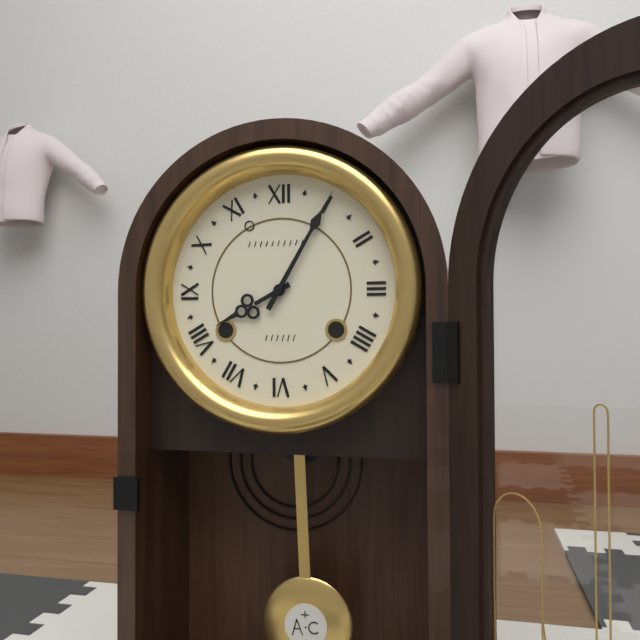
{"hour": 8, "minute": 5}
